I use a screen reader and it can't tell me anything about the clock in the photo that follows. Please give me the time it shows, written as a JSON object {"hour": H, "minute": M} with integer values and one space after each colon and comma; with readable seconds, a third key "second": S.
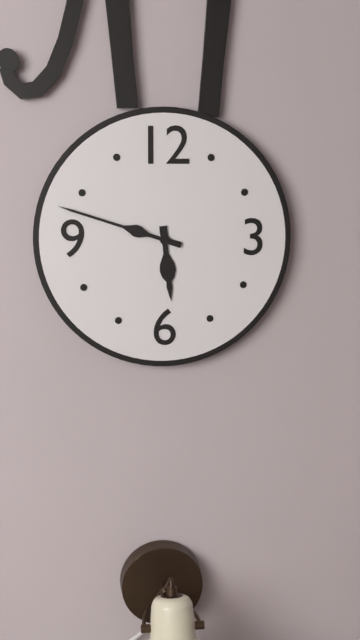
{"hour": 5, "minute": 48}
